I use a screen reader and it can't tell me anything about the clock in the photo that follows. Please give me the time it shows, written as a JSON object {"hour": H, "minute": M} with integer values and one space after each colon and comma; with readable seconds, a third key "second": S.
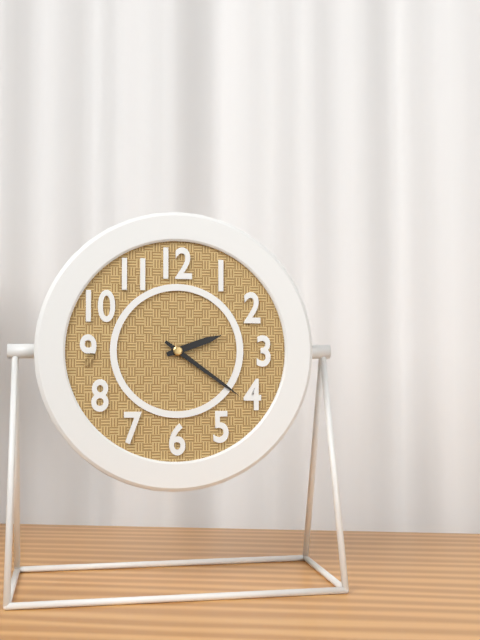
{"hour": 2, "minute": 21}
